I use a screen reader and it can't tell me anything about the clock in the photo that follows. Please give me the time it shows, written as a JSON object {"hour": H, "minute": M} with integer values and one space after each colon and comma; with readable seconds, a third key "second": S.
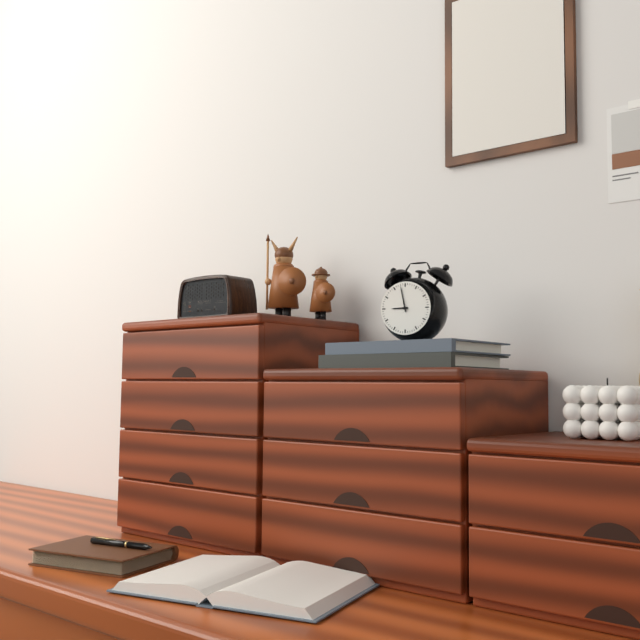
{"hour": 8, "minute": 58}
